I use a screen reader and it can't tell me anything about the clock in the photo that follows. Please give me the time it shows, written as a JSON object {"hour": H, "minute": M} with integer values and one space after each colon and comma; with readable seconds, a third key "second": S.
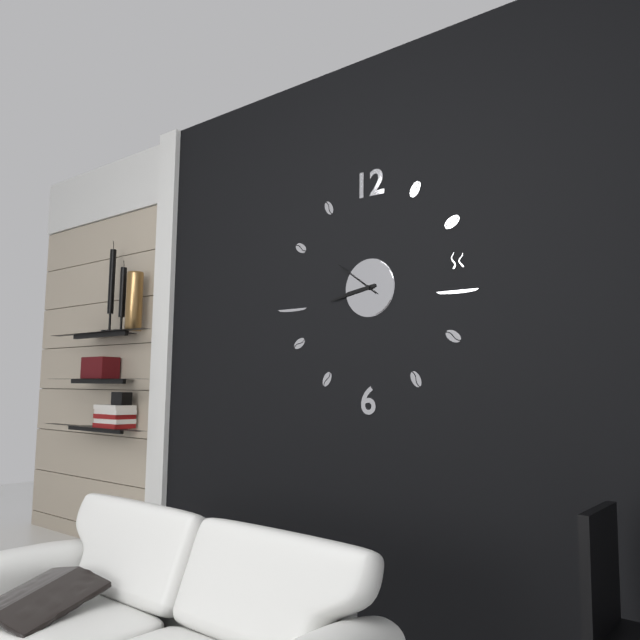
{"hour": 8, "minute": 43}
